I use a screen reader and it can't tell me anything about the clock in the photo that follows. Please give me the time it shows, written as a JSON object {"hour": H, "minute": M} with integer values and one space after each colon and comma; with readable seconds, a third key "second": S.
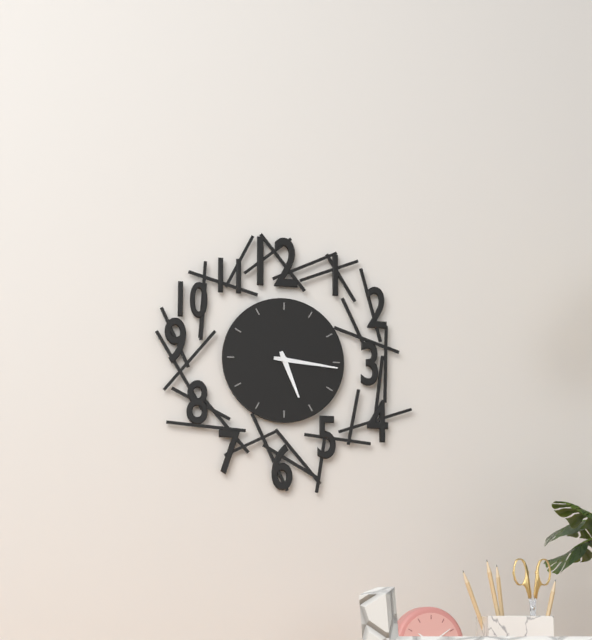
{"hour": 5, "minute": 16}
